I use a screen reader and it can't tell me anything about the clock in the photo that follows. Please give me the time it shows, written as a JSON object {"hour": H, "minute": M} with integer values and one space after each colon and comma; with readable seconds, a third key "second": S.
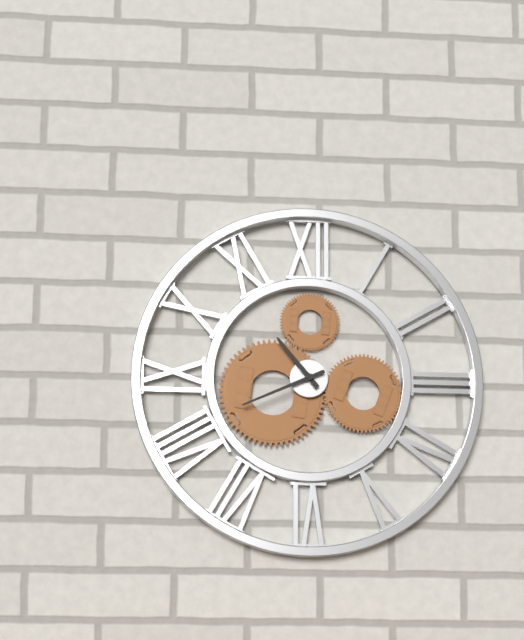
{"hour": 10, "minute": 41}
